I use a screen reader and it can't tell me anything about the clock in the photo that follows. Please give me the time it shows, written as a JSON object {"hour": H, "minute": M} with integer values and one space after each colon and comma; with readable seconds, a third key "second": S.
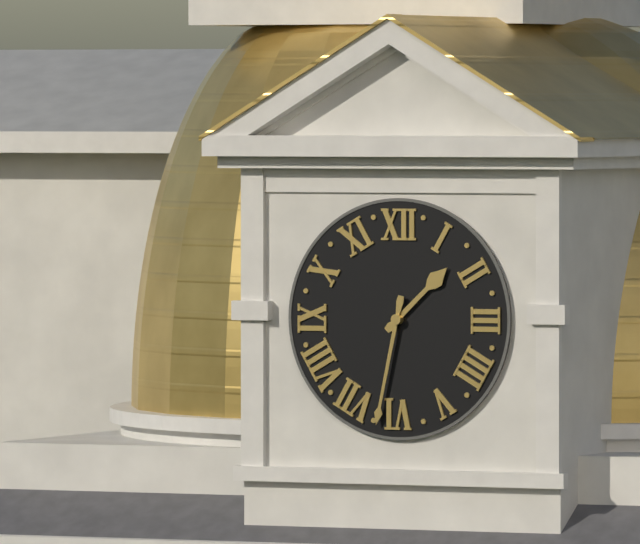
{"hour": 1, "minute": 32}
